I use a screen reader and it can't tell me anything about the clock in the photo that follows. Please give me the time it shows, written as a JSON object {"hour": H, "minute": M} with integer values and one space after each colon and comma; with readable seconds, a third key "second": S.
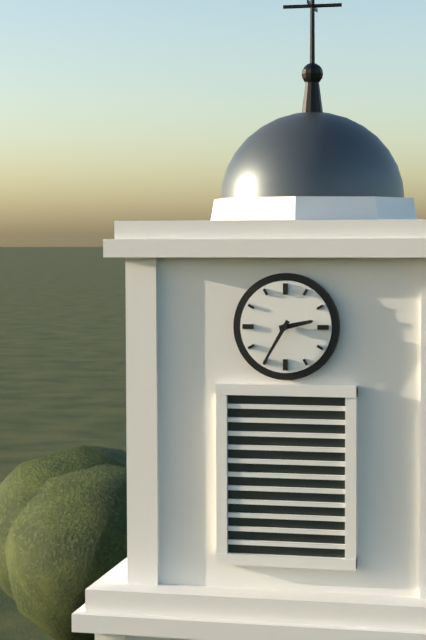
{"hour": 2, "minute": 35}
